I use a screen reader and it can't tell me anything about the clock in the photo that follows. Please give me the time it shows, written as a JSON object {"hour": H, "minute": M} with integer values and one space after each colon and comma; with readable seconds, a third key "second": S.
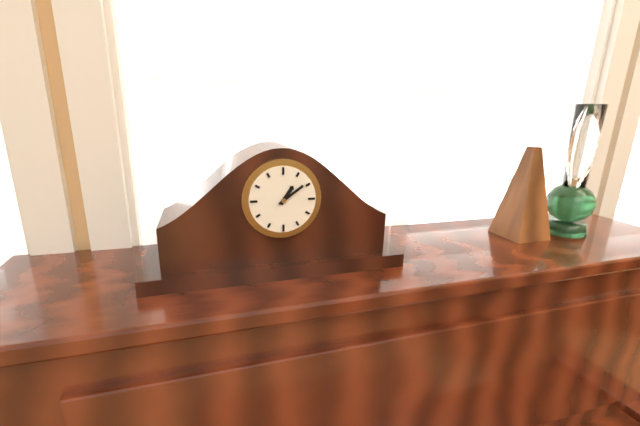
{"hour": 1, "minute": 9}
